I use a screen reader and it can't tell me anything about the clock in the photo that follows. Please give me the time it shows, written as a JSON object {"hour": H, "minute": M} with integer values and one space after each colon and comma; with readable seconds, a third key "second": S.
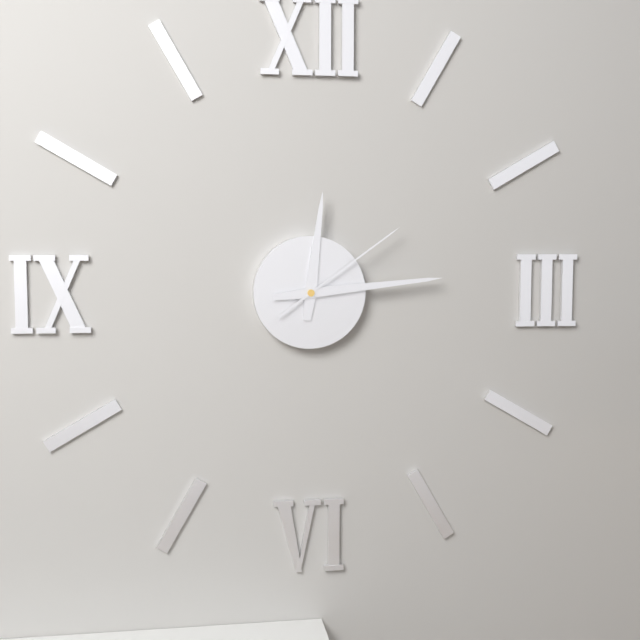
{"hour": 12, "minute": 14, "second": 9}
